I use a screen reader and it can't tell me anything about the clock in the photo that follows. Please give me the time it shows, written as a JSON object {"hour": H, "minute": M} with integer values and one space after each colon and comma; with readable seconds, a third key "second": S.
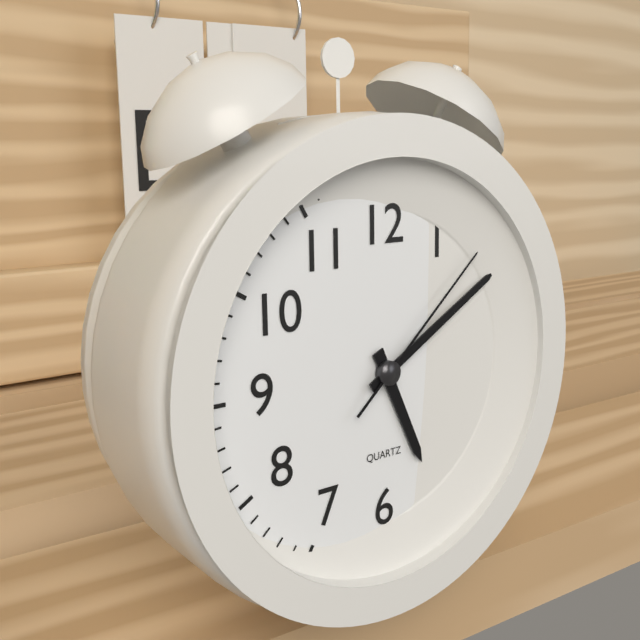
{"hour": 5, "minute": 10, "second": 8}
